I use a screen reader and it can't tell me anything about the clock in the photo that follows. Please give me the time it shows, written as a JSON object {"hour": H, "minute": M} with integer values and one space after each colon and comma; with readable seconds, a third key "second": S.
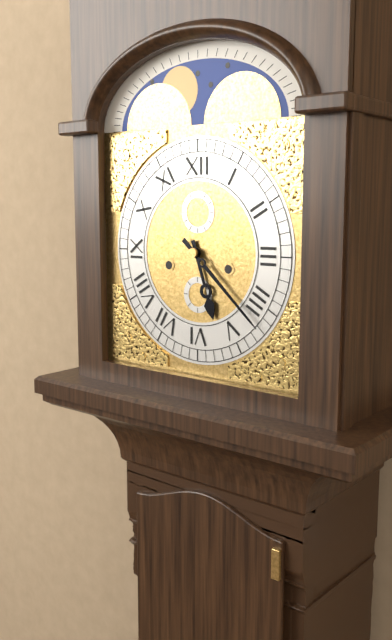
{"hour": 5, "minute": 22}
